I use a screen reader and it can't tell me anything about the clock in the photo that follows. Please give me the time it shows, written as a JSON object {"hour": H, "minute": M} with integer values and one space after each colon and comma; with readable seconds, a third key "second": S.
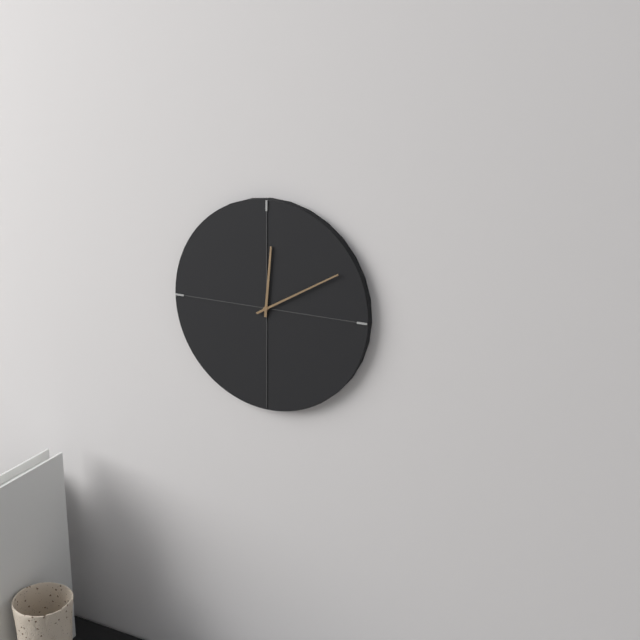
{"hour": 12, "minute": 10}
